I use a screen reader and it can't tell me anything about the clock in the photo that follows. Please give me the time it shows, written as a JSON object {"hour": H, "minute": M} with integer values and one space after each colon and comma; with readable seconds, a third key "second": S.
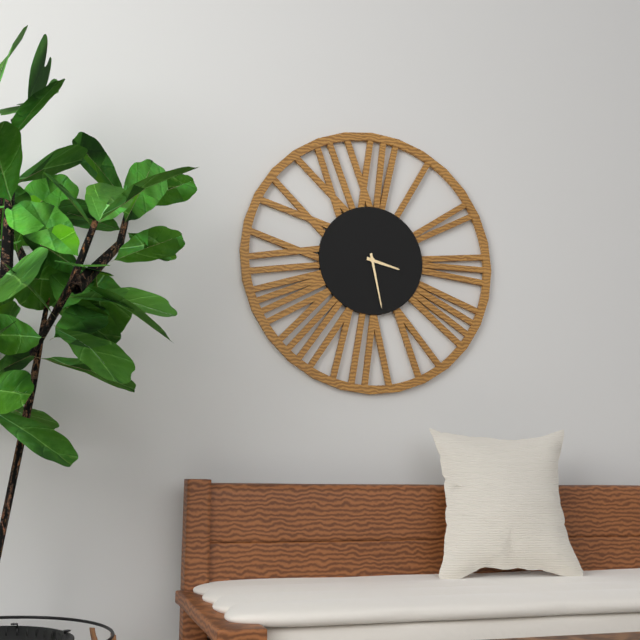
{"hour": 3, "minute": 28}
